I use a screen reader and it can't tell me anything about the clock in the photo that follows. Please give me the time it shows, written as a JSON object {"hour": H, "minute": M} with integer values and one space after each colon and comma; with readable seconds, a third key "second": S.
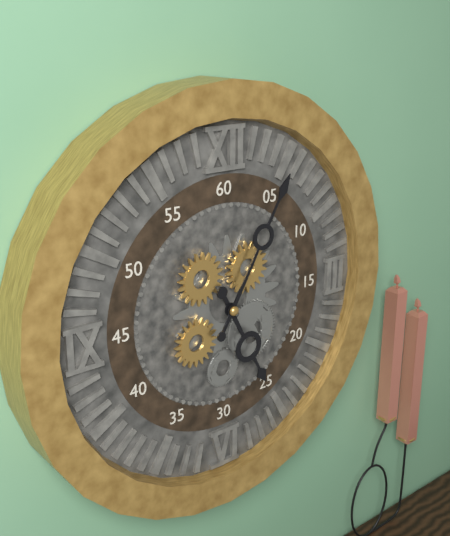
{"hour": 5, "minute": 5}
